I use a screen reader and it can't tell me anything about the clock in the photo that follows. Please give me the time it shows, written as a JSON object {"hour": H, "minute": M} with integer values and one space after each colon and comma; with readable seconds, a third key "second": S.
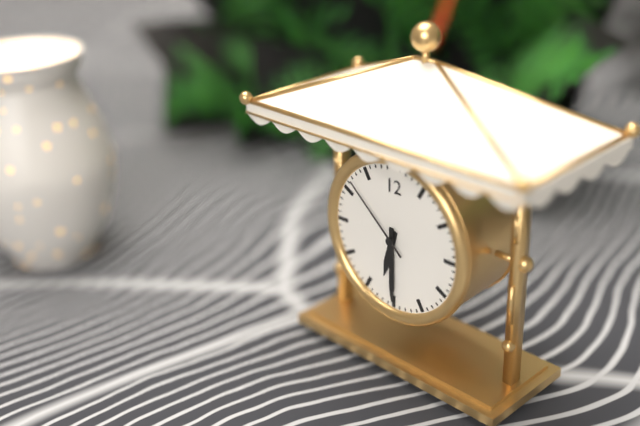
{"hour": 6, "minute": 30, "second": 52}
